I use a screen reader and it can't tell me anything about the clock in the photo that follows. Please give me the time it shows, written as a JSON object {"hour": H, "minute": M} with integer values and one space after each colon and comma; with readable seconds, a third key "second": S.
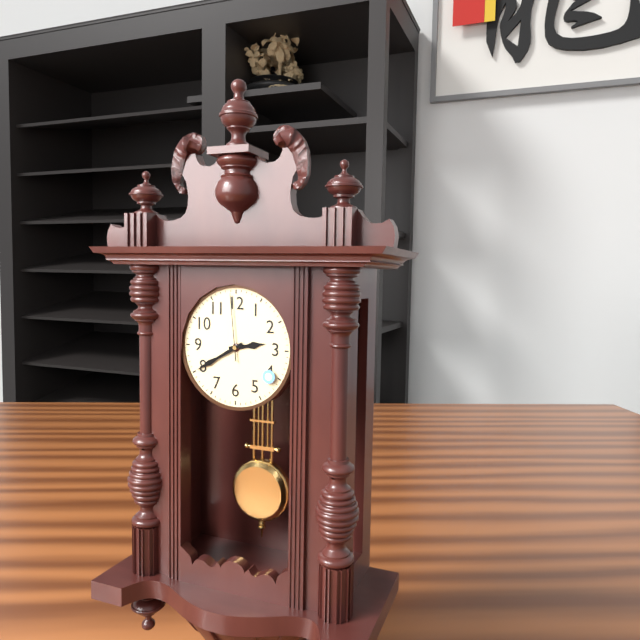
{"hour": 2, "minute": 40, "second": 59}
